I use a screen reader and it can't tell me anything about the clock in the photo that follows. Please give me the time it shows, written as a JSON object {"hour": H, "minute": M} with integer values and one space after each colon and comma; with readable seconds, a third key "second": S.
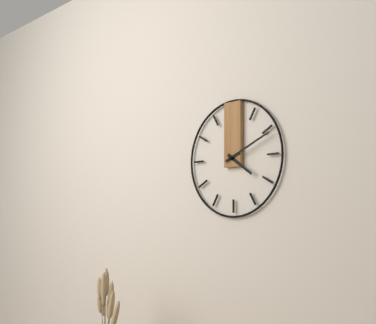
{"hour": 4, "minute": 11}
